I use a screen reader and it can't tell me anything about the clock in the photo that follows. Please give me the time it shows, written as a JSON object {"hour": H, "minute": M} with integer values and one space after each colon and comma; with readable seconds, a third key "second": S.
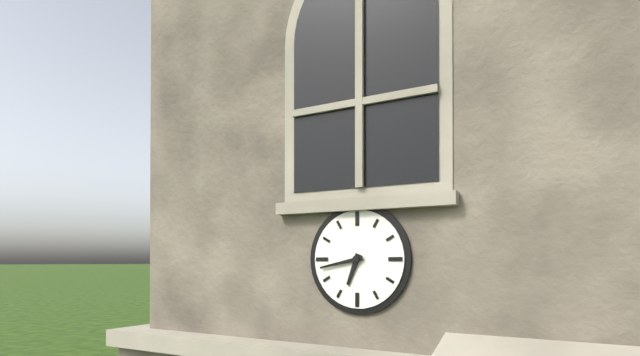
{"hour": 6, "minute": 43}
